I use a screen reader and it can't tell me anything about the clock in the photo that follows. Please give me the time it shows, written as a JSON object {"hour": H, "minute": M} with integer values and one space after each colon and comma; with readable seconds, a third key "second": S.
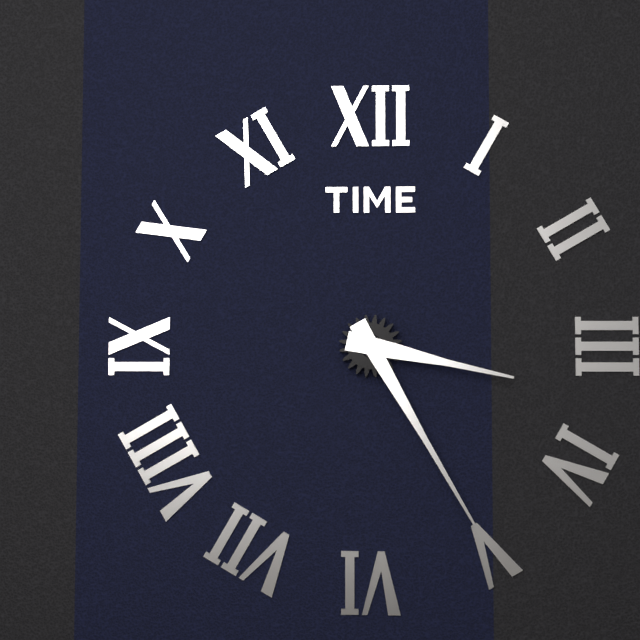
{"hour": 3, "minute": 25}
